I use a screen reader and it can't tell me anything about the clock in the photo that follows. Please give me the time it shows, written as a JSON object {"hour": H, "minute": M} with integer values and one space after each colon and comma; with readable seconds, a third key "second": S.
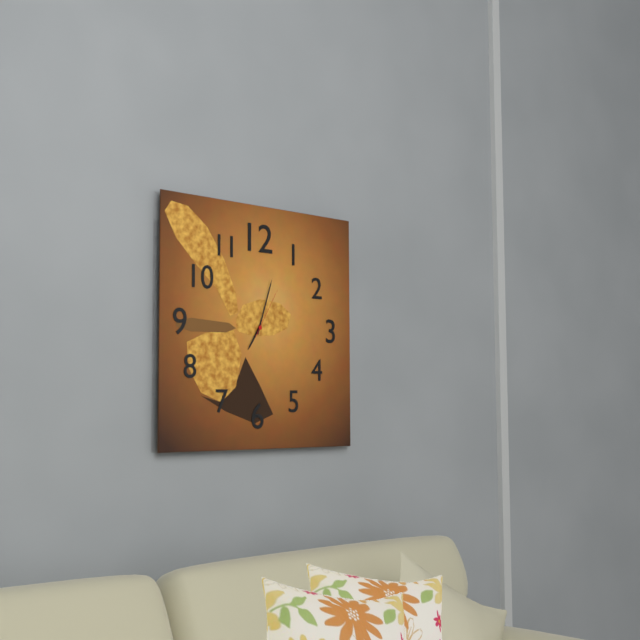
{"hour": 7, "minute": 3, "second": 5}
